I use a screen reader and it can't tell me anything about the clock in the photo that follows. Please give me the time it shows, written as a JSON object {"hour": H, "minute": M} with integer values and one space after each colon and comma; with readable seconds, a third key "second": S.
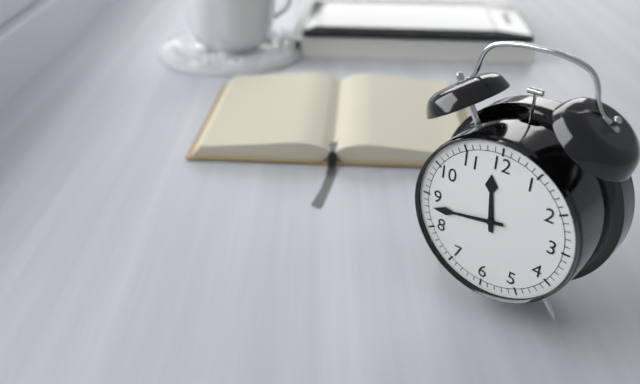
{"hour": 11, "minute": 43}
